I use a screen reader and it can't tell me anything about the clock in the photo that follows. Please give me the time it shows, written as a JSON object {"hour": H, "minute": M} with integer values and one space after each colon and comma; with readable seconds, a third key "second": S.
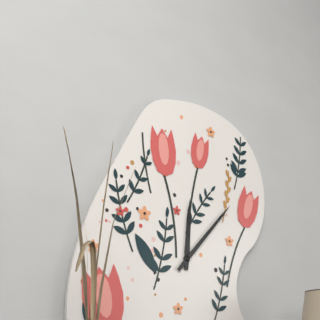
{"hour": 12, "minute": 7}
